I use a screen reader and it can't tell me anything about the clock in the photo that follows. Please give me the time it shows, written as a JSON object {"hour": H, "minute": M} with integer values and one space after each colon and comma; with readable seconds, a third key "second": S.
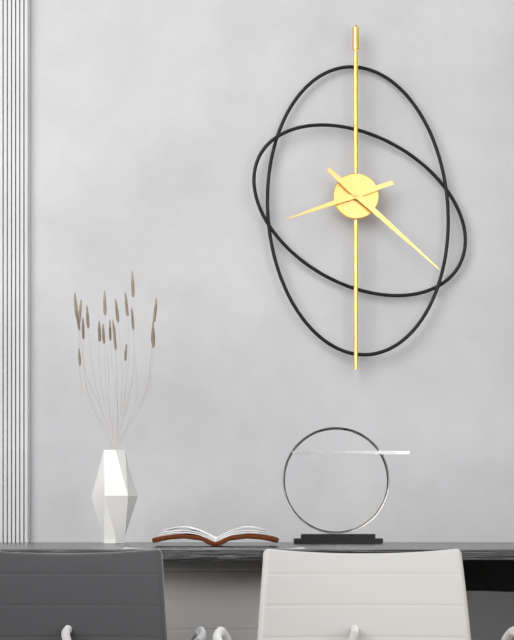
{"hour": 8, "minute": 22}
